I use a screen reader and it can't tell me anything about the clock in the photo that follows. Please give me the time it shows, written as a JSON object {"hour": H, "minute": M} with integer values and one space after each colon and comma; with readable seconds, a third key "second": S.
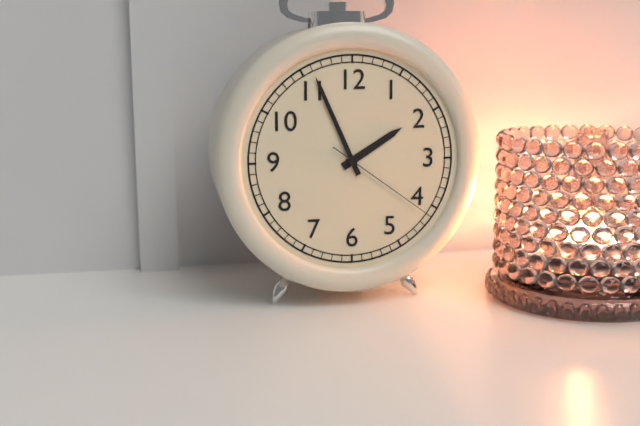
{"hour": 1, "minute": 56, "second": 21}
